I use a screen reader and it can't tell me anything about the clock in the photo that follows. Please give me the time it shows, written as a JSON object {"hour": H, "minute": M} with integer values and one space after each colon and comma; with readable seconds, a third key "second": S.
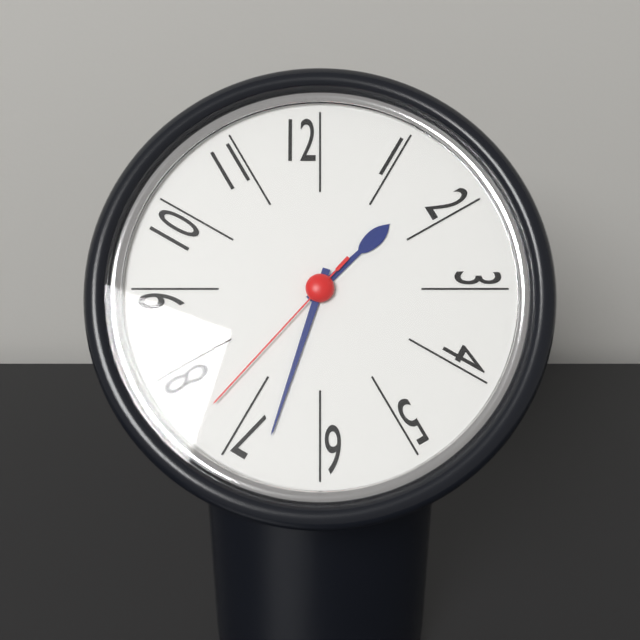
{"hour": 1, "minute": 33, "second": 37}
